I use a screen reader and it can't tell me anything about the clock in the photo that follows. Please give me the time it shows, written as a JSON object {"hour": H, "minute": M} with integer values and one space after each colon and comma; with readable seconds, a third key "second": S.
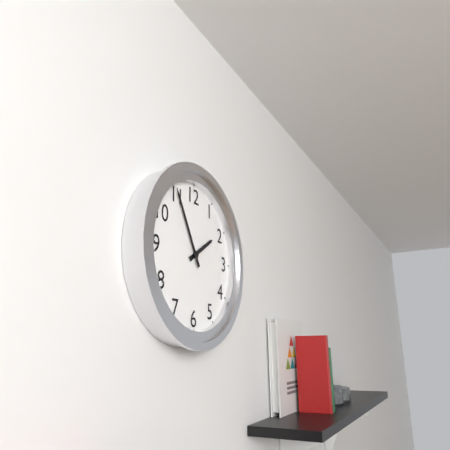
{"hour": 1, "minute": 55}
